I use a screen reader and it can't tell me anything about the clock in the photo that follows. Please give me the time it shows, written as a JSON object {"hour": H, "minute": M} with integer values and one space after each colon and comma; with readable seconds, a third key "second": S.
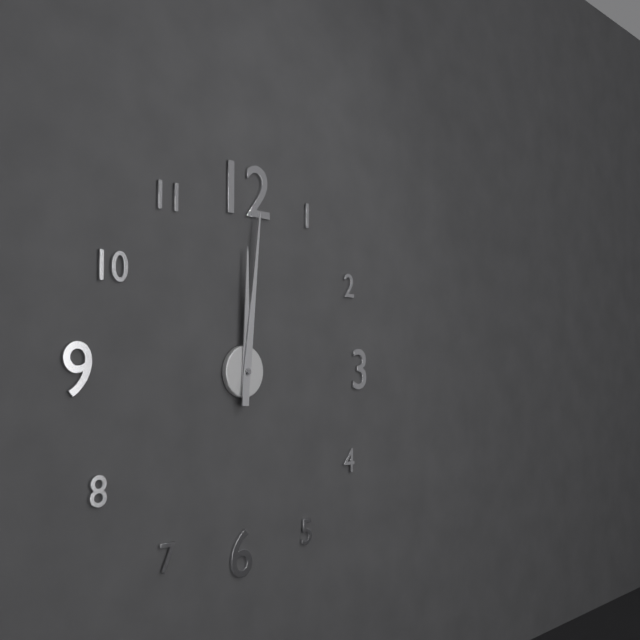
{"hour": 12, "minute": 1}
